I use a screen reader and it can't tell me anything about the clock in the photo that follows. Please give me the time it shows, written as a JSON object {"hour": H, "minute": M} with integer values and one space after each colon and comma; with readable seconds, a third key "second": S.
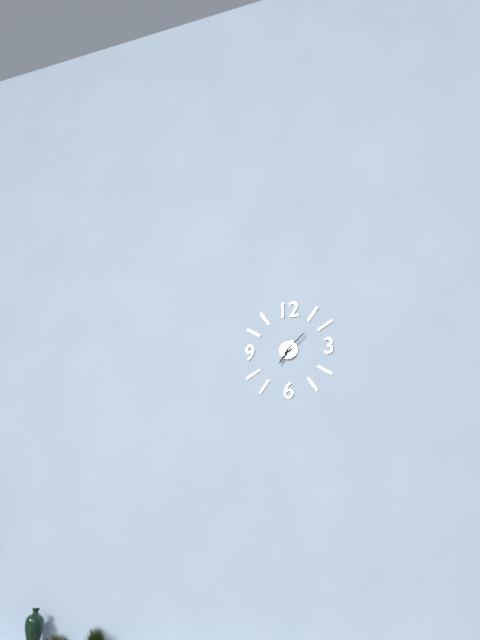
{"hour": 7, "minute": 8}
